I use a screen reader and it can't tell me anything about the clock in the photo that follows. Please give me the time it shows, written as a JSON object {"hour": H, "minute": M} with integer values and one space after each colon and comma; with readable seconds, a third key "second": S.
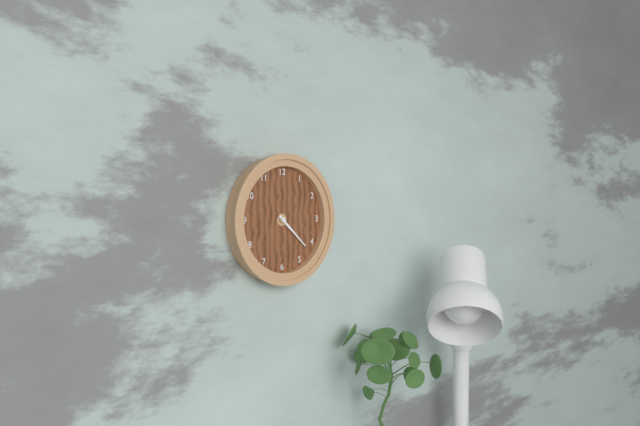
{"hour": 4, "minute": 22}
